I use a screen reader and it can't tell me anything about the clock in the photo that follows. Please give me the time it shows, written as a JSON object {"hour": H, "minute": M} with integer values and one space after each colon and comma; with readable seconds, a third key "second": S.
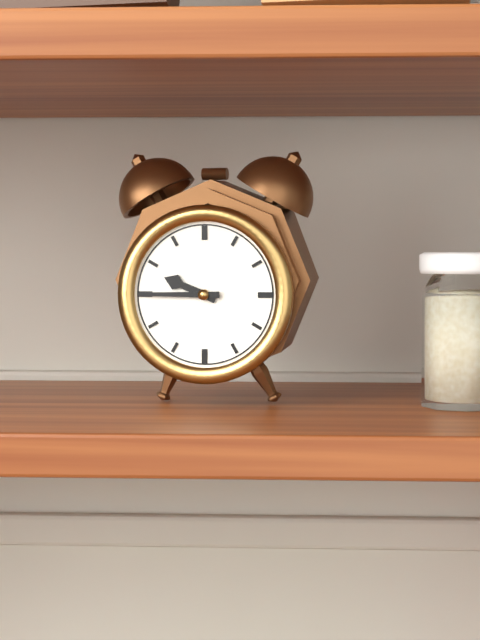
{"hour": 9, "minute": 45}
